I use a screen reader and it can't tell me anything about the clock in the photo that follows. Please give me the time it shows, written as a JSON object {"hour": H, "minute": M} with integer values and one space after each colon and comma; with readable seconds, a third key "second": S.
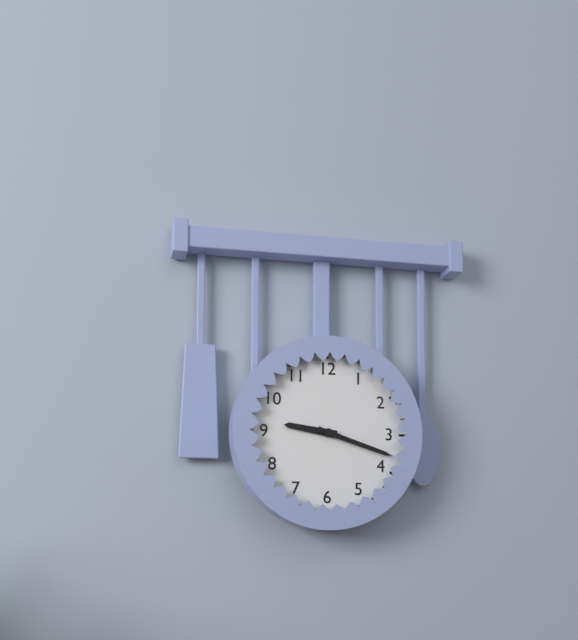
{"hour": 9, "minute": 18}
